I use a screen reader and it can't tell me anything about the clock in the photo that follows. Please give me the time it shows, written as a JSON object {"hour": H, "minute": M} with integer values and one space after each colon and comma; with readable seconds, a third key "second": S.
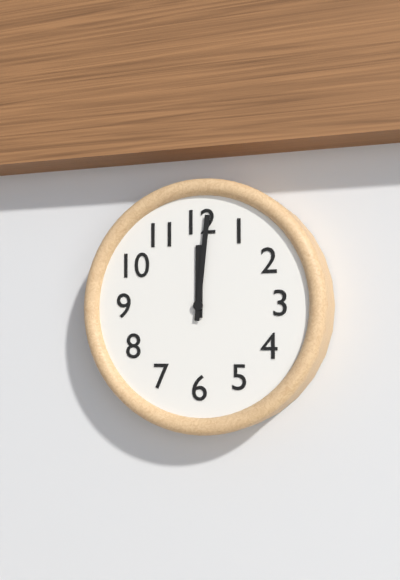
{"hour": 12, "minute": 1}
